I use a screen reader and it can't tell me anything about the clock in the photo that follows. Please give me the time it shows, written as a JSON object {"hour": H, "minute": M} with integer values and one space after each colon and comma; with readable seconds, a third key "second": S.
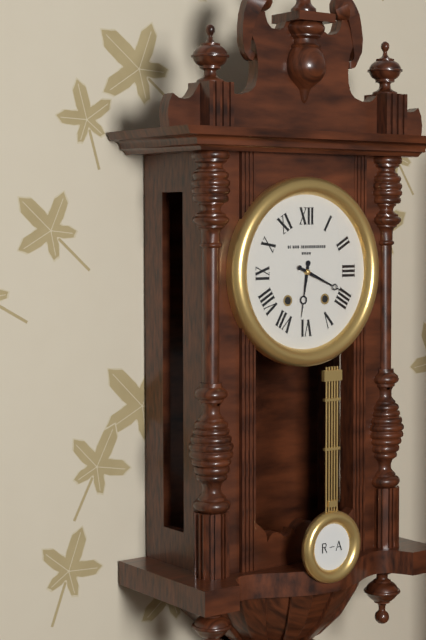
{"hour": 6, "minute": 19}
